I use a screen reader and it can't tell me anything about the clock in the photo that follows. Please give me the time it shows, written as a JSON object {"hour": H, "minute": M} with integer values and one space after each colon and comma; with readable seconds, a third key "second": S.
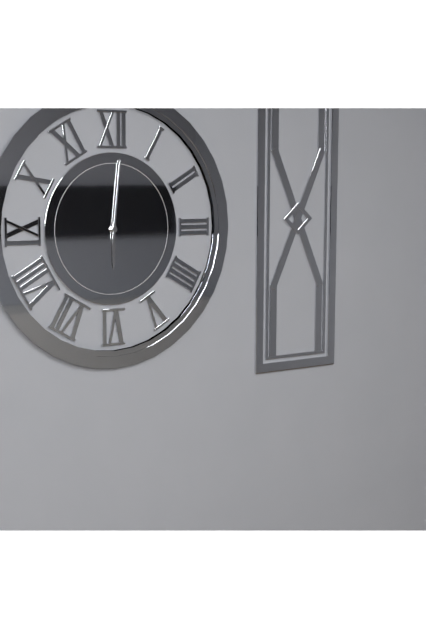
{"hour": 6, "minute": 1}
